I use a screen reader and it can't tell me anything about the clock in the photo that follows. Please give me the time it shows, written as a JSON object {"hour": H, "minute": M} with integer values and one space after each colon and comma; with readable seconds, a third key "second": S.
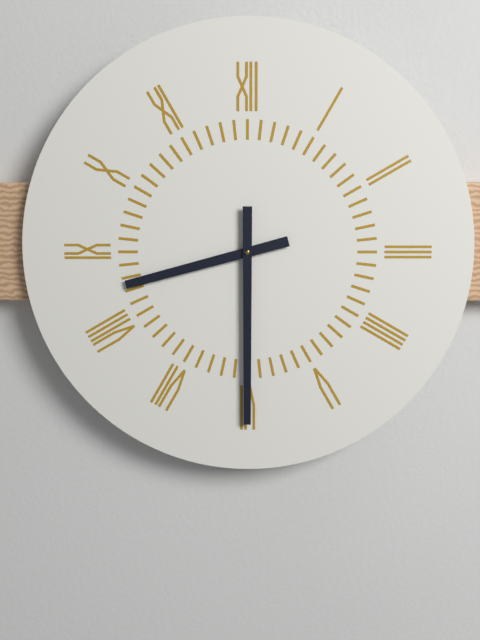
{"hour": 8, "minute": 30}
